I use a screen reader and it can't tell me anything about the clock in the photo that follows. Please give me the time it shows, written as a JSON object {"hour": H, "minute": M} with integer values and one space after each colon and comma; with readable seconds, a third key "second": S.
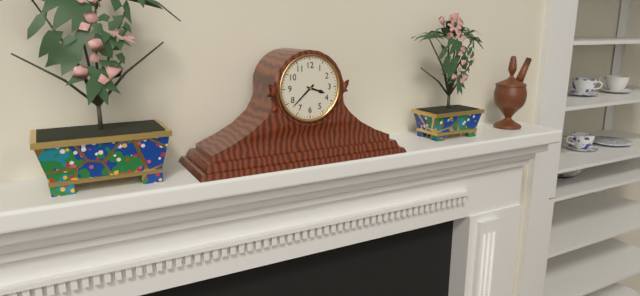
{"hour": 3, "minute": 38}
